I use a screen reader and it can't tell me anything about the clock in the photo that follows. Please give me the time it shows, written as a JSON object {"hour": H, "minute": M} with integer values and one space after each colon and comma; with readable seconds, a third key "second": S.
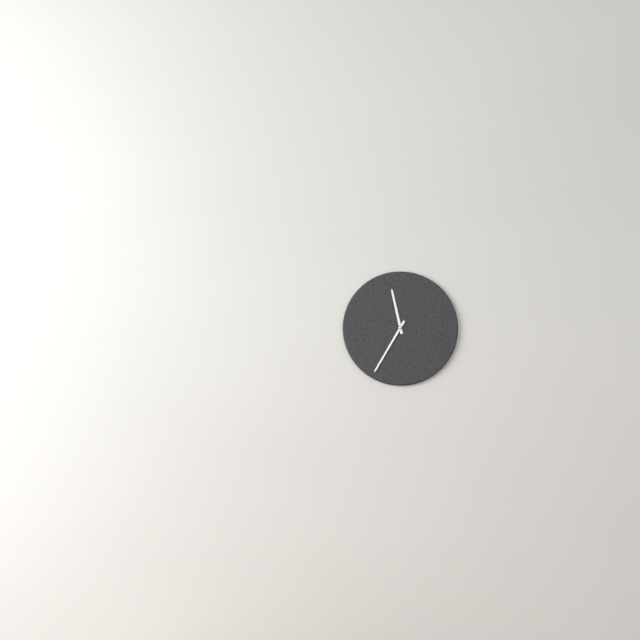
{"hour": 11, "minute": 35}
